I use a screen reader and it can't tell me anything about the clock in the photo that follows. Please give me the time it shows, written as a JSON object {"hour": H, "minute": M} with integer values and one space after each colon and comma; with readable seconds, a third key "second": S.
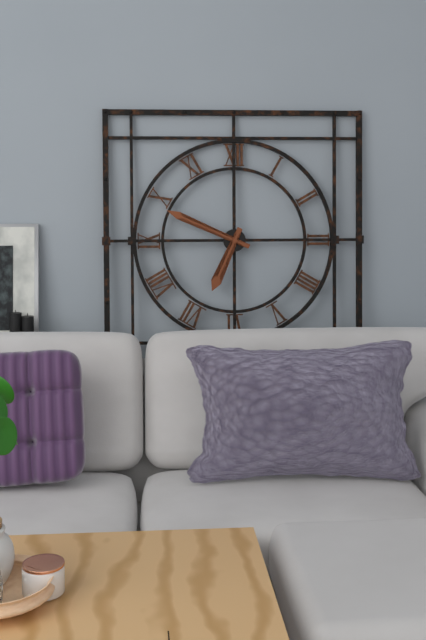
{"hour": 6, "minute": 49}
